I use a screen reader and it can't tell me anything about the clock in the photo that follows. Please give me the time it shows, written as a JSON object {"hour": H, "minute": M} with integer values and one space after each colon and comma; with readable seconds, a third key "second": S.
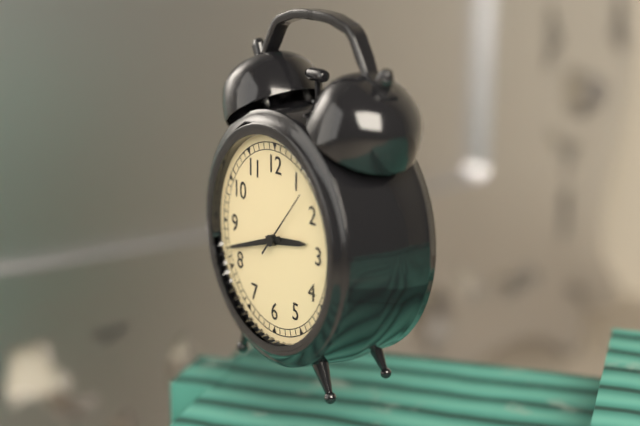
{"hour": 2, "minute": 42, "second": 7}
